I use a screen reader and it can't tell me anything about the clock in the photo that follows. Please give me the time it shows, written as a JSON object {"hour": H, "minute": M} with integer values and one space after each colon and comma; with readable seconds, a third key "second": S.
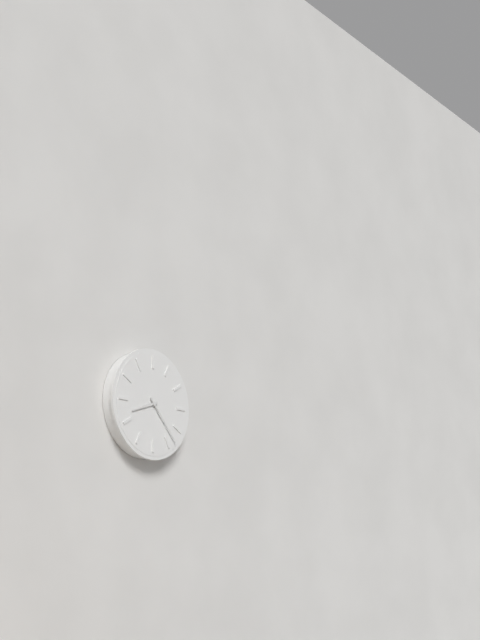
{"hour": 8, "minute": 23}
